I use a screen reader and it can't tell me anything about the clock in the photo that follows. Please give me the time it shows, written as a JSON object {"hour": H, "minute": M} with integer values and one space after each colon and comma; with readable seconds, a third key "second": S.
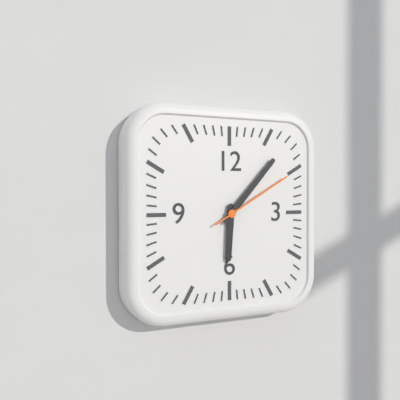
{"hour": 6, "minute": 7, "second": 10}
